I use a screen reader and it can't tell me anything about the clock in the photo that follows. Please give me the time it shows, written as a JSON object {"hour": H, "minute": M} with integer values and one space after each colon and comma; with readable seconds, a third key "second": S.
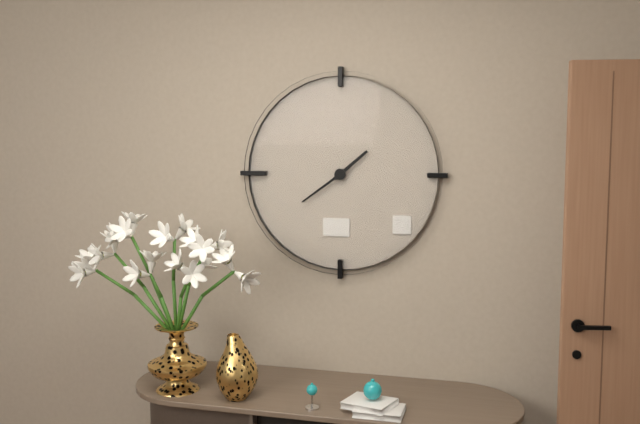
{"hour": 1, "minute": 39}
